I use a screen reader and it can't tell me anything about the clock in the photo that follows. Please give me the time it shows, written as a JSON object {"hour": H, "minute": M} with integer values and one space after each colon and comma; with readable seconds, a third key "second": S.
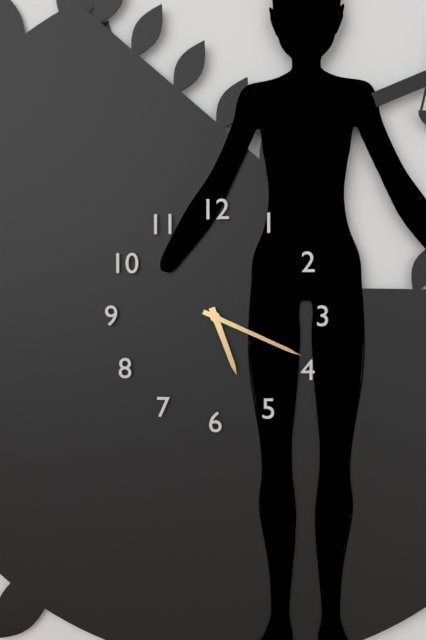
{"hour": 5, "minute": 19}
